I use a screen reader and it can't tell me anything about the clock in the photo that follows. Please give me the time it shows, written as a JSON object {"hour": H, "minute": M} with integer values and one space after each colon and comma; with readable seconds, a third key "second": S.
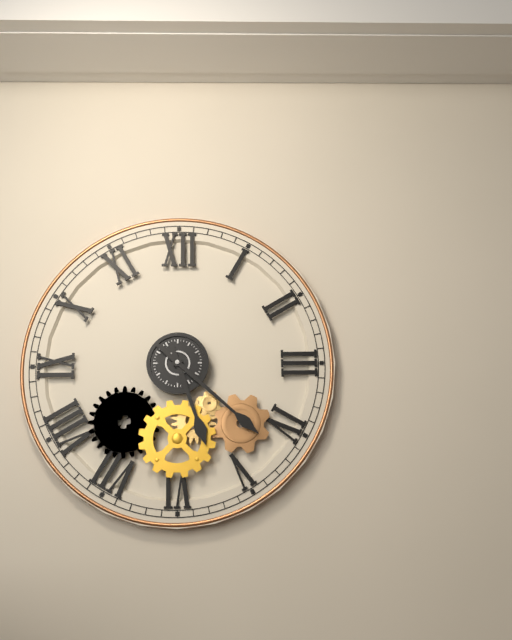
{"hour": 5, "minute": 22}
